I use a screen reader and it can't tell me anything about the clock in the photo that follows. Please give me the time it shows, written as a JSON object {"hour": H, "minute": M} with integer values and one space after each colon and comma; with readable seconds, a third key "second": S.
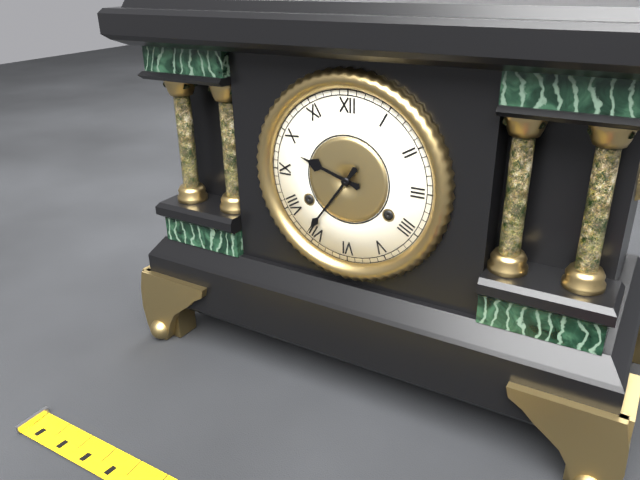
{"hour": 9, "minute": 36}
